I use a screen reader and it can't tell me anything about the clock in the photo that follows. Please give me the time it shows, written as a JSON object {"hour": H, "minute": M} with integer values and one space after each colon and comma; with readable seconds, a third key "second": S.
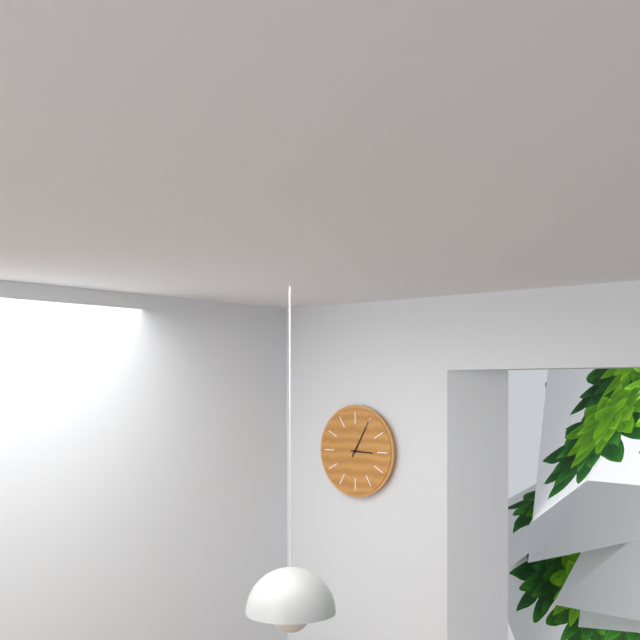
{"hour": 3, "minute": 5}
